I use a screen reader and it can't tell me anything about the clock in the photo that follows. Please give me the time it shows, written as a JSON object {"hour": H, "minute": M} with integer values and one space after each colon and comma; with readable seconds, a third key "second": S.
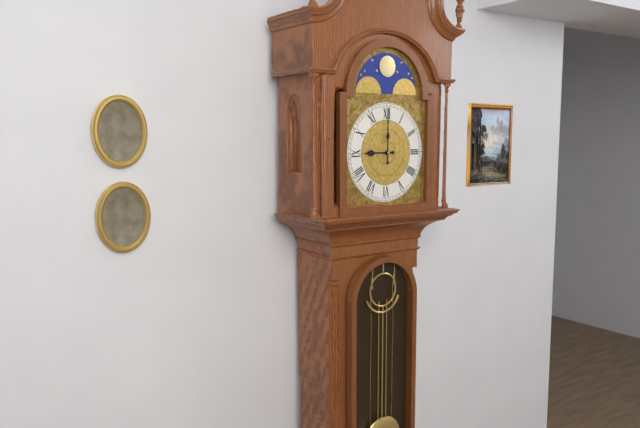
{"hour": 9, "minute": 0}
